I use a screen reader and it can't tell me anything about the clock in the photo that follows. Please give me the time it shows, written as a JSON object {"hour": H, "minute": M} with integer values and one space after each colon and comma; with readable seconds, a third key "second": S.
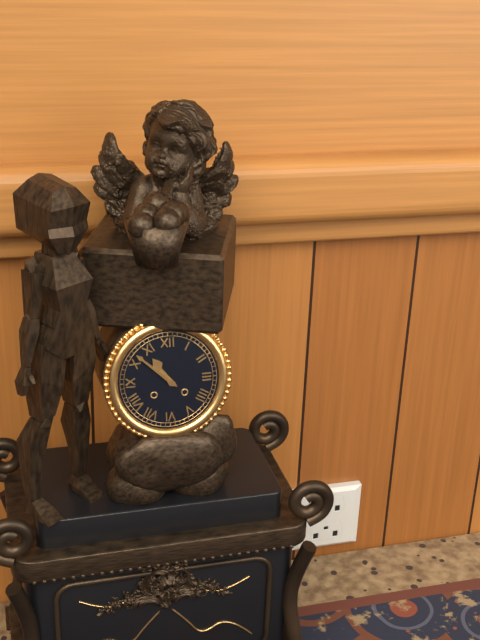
{"hour": 10, "minute": 52}
